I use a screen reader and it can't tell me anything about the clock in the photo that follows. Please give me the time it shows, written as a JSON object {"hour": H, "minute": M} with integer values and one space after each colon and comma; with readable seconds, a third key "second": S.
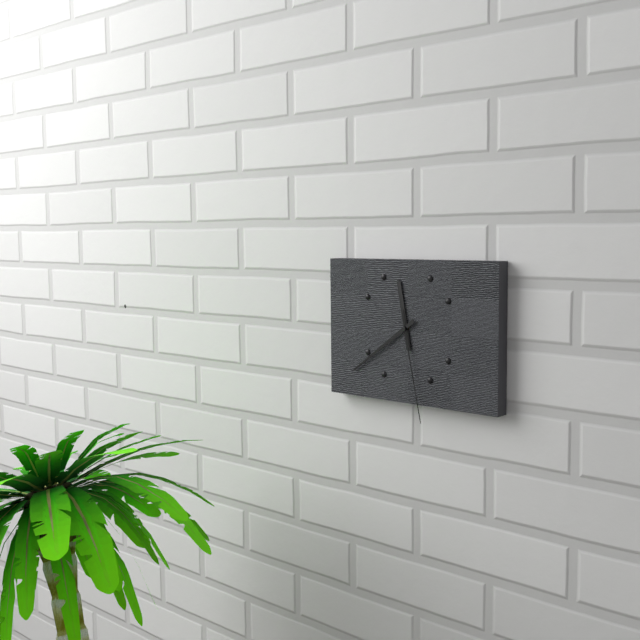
{"hour": 11, "minute": 39, "second": 28}
